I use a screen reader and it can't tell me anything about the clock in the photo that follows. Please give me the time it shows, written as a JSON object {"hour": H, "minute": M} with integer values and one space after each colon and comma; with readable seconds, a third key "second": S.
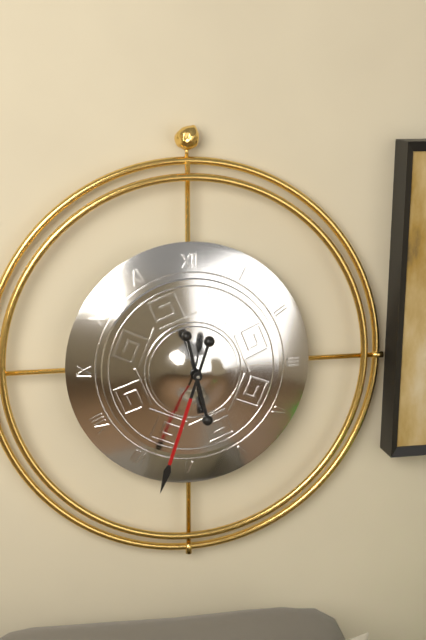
{"hour": 5, "minute": 33}
